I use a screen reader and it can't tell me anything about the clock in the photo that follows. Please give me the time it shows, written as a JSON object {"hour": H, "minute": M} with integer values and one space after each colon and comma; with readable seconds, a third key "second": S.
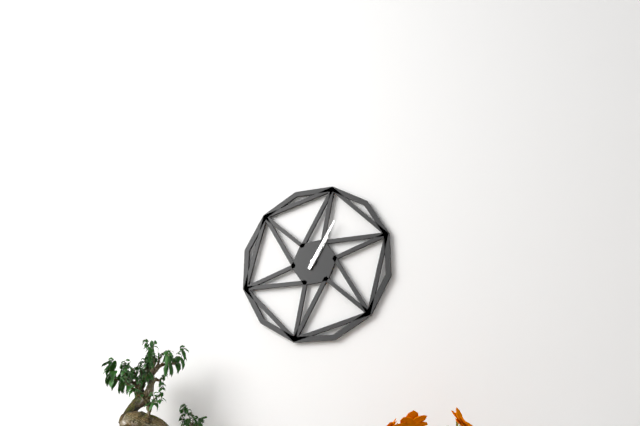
{"hour": 1, "minute": 5}
